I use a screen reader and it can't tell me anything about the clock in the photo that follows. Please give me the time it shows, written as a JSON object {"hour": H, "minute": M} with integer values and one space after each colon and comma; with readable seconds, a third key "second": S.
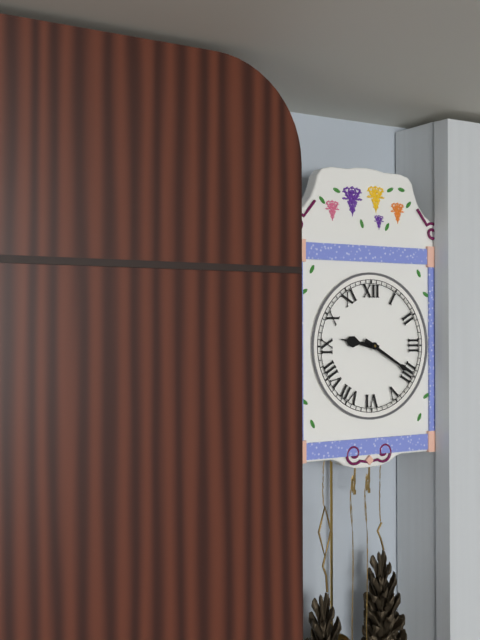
{"hour": 9, "minute": 20}
